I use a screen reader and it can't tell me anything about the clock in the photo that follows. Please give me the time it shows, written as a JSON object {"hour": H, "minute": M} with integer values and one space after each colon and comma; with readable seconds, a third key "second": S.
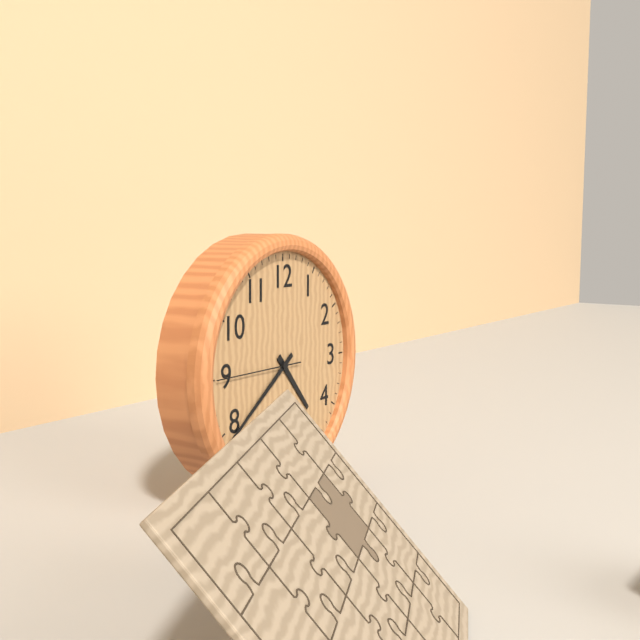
{"hour": 4, "minute": 39, "second": 45}
